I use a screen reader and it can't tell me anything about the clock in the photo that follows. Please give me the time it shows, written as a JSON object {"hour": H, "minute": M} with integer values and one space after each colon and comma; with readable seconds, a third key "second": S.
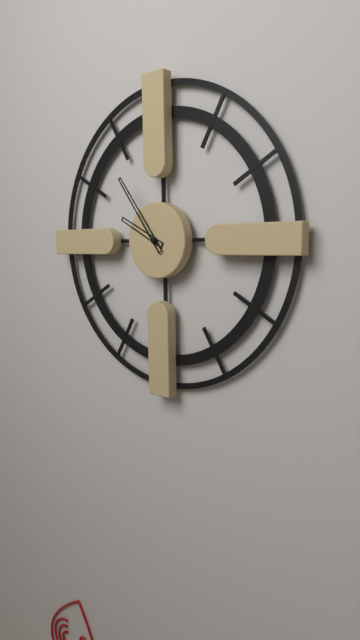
{"hour": 9, "minute": 54}
